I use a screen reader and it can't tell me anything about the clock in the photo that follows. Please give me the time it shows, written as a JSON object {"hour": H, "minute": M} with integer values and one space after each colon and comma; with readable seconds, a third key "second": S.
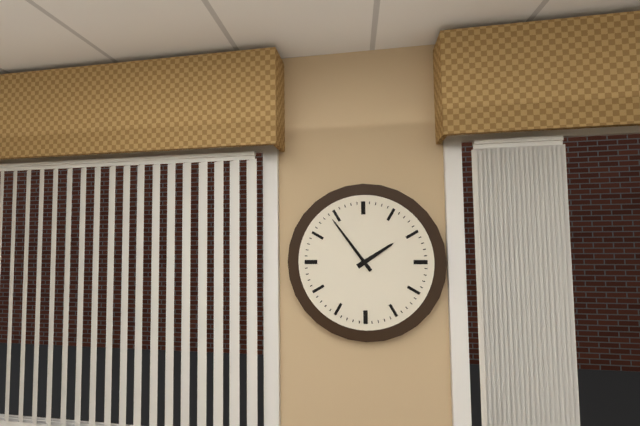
{"hour": 1, "minute": 54}
